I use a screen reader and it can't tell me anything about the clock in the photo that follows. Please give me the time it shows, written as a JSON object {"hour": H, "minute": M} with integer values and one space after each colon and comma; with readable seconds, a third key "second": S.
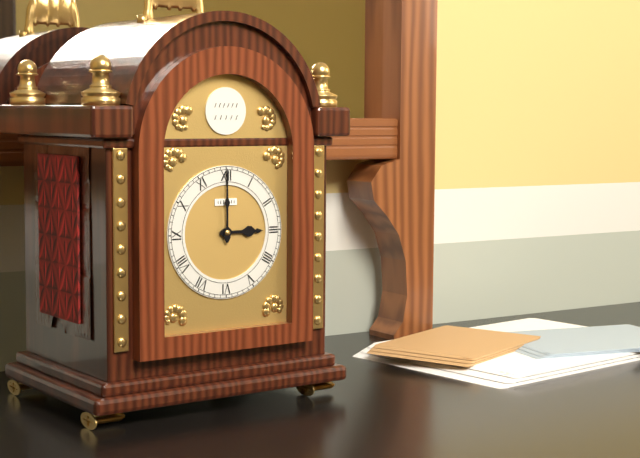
{"hour": 3, "minute": 0}
